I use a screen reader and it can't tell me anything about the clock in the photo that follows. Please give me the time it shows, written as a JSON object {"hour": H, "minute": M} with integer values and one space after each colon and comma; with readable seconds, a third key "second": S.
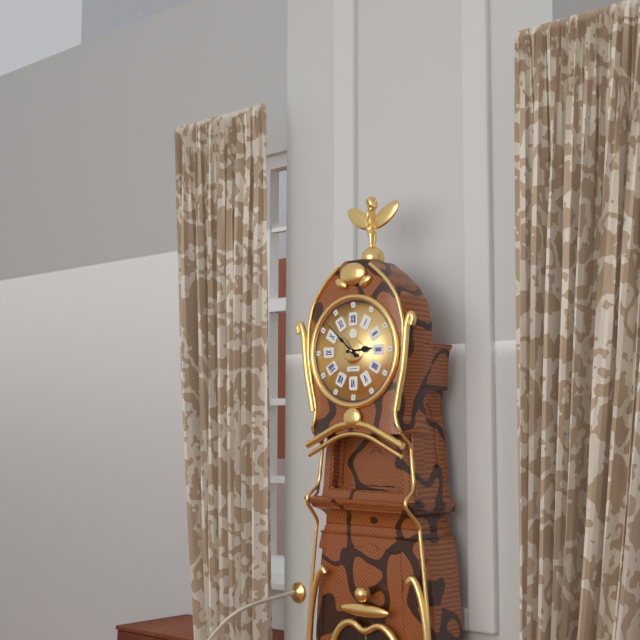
{"hour": 2, "minute": 52}
